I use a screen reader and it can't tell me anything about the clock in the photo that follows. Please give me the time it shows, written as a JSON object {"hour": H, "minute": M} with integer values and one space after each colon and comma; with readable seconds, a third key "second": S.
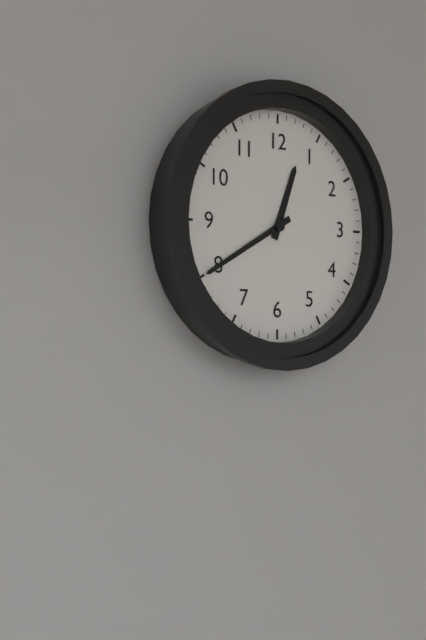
{"hour": 12, "minute": 40}
